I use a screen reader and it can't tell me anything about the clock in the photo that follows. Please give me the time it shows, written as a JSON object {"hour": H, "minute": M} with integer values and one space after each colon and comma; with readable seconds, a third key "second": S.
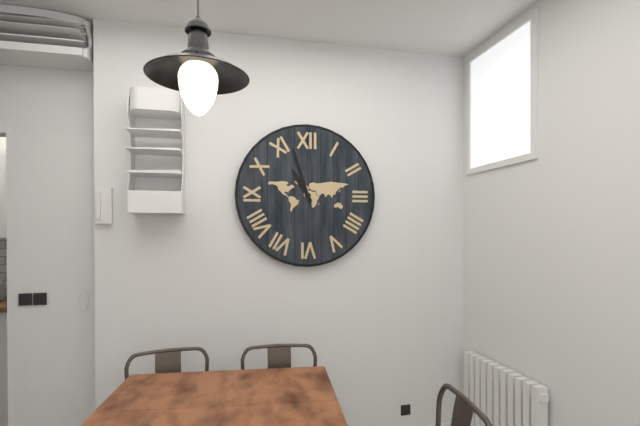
{"hour": 10, "minute": 57}
